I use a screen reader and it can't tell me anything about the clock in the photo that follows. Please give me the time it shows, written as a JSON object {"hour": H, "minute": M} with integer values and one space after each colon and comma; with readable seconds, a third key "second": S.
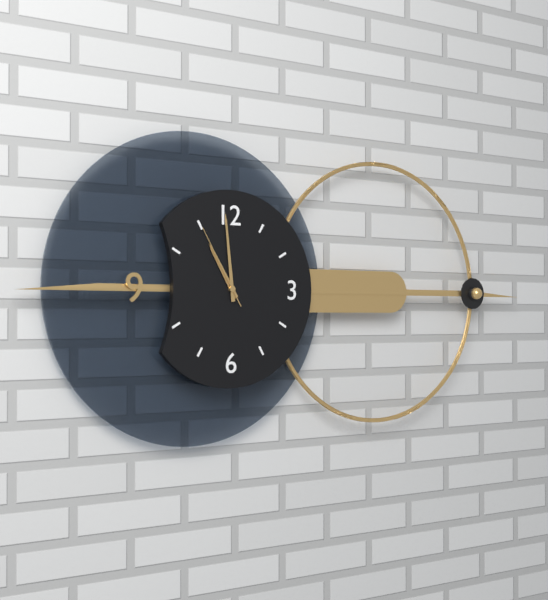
{"hour": 10, "minute": 59, "second": 55}
